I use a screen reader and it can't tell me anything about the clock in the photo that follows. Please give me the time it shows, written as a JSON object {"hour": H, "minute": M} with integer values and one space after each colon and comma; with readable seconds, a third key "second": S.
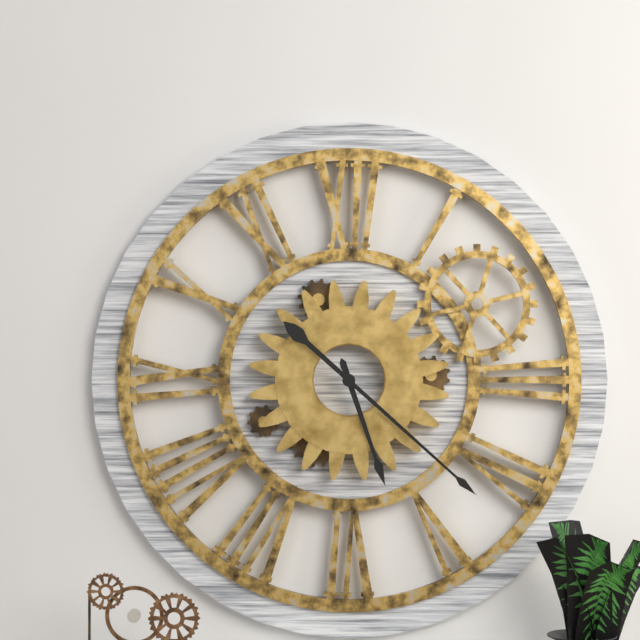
{"hour": 5, "minute": 22}
